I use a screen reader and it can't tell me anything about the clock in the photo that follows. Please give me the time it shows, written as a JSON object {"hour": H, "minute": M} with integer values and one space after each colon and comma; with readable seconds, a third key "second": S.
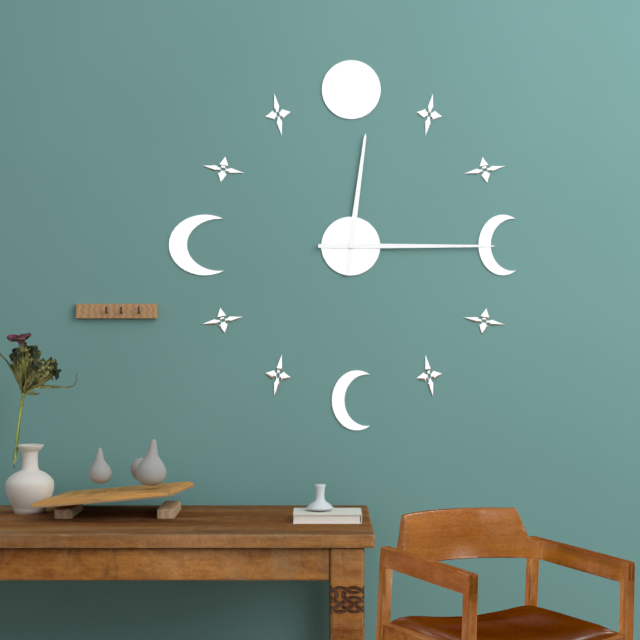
{"hour": 12, "minute": 15}
